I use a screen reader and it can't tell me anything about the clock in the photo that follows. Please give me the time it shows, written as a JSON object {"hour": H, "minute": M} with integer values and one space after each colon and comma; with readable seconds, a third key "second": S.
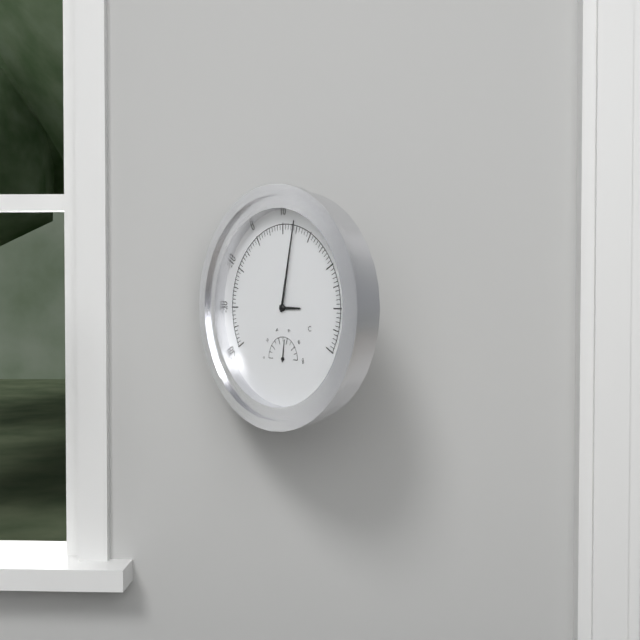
{"hour": 3, "minute": 2}
